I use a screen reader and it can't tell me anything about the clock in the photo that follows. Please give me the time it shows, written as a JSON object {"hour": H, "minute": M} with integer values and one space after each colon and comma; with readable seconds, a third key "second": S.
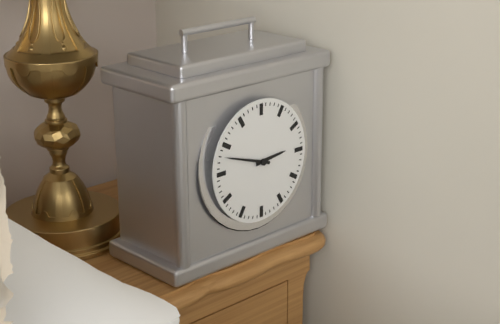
{"hour": 2, "minute": 48}
